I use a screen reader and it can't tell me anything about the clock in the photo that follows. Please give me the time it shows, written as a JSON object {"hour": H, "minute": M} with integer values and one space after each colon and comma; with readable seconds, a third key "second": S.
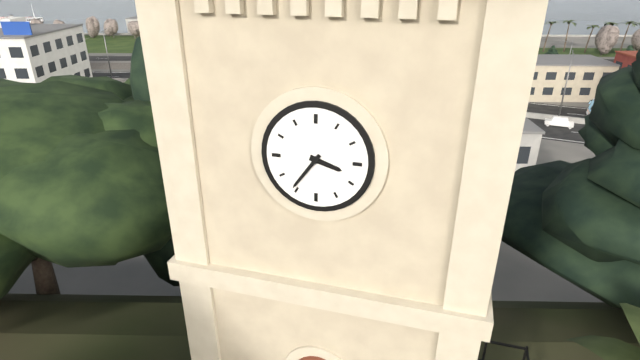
{"hour": 3, "minute": 36}
